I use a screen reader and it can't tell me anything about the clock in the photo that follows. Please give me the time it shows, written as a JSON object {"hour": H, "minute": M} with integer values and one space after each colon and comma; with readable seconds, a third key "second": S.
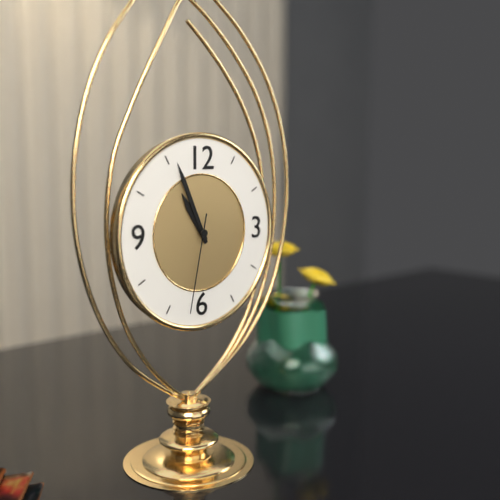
{"hour": 10, "minute": 56, "second": 32}
